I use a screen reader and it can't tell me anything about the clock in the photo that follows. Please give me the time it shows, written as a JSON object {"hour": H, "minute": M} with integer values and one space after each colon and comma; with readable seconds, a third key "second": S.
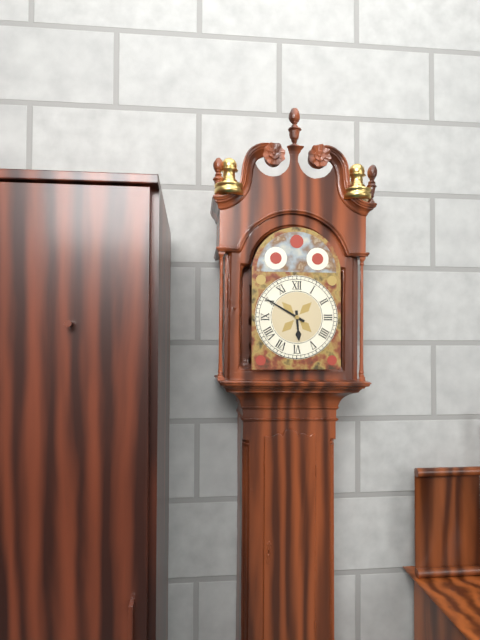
{"hour": 5, "minute": 50}
